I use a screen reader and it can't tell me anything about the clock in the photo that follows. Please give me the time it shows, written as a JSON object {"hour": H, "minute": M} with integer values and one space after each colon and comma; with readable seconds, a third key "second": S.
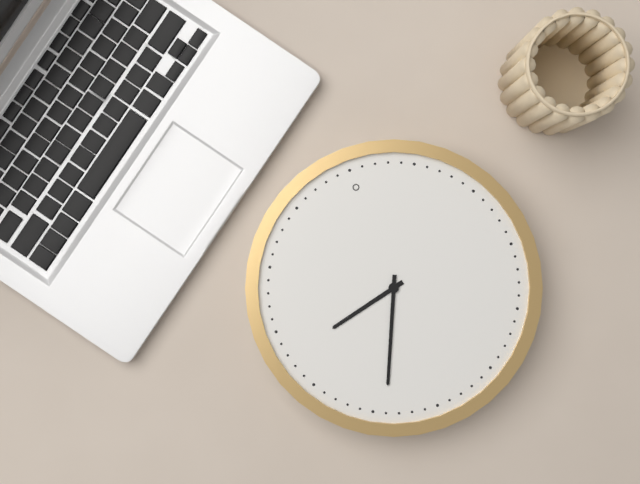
{"hour": 8, "minute": 34}
